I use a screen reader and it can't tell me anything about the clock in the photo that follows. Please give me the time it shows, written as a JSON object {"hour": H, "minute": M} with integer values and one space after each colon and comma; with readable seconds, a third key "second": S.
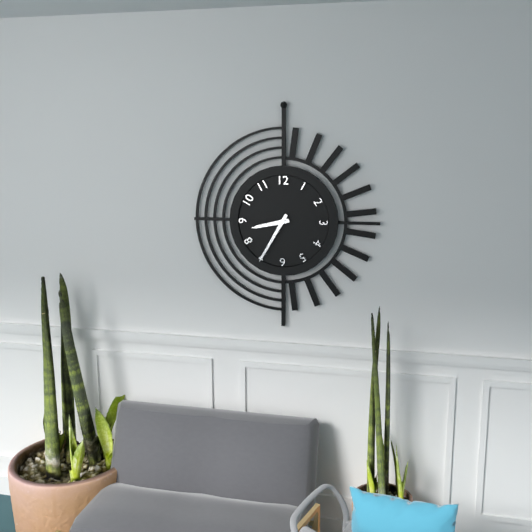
{"hour": 8, "minute": 35}
